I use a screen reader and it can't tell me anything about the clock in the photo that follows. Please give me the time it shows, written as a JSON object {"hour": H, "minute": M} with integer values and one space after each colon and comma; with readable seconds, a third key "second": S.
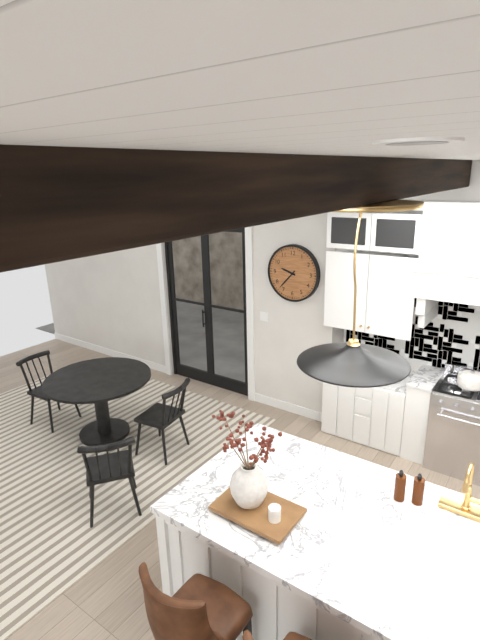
{"hour": 9, "minute": 37}
